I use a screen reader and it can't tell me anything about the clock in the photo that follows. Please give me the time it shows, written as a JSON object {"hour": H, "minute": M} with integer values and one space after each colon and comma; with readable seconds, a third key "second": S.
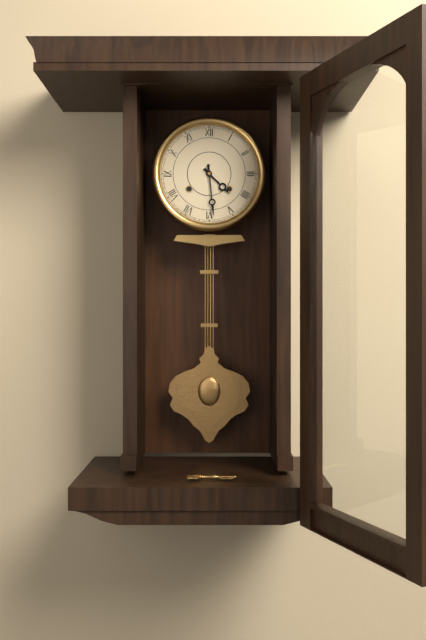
{"hour": 4, "minute": 29}
